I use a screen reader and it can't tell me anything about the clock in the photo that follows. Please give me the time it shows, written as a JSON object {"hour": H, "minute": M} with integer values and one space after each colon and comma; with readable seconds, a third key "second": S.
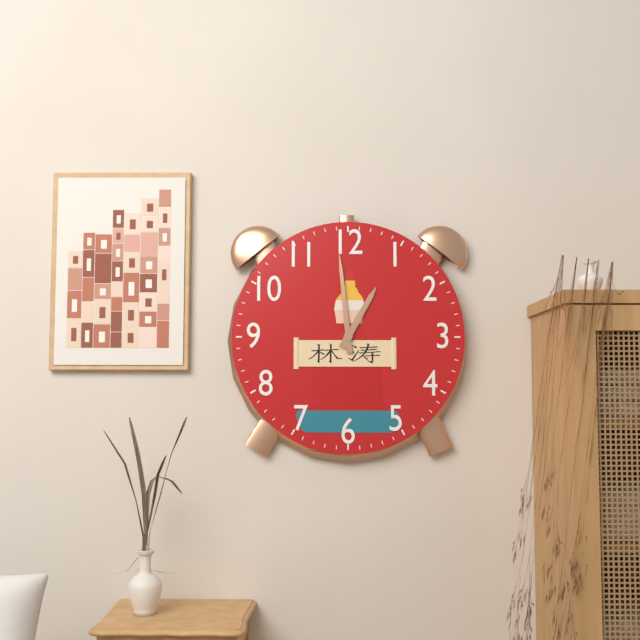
{"hour": 12, "minute": 59}
